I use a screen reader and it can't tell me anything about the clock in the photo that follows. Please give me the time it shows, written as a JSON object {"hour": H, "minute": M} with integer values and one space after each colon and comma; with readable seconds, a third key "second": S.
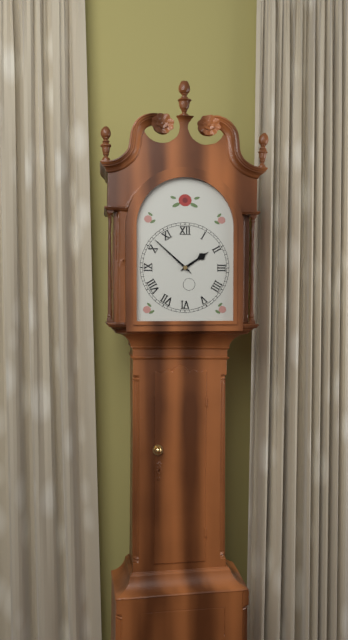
{"hour": 1, "minute": 52}
